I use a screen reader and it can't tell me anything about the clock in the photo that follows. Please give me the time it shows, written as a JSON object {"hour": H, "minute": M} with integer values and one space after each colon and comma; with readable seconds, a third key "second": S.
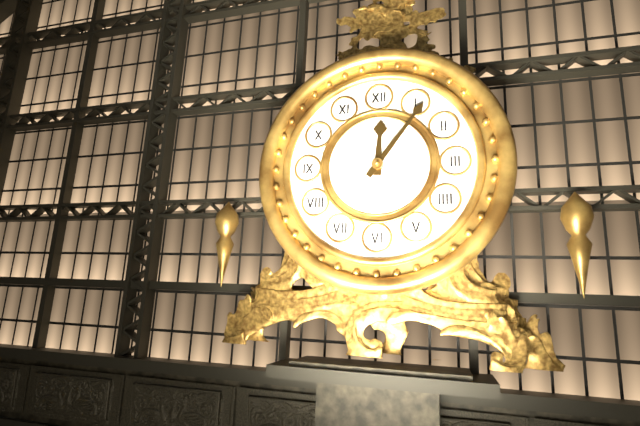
{"hour": 12, "minute": 6}
